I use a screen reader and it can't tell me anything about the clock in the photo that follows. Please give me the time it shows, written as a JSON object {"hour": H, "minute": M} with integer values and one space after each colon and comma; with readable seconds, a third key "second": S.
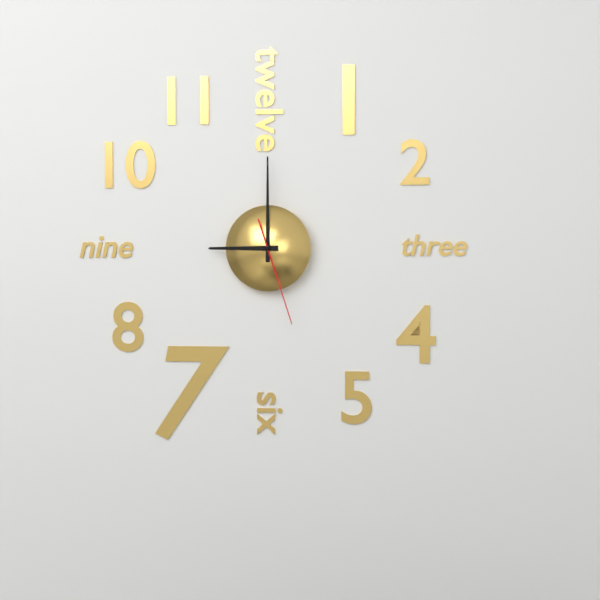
{"hour": 9, "minute": 0, "second": 27}
